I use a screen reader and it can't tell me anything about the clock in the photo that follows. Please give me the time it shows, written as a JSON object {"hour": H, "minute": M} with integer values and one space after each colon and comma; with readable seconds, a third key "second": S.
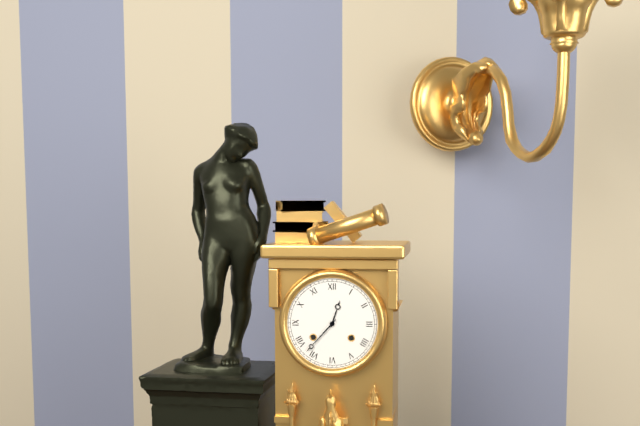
{"hour": 12, "minute": 37}
